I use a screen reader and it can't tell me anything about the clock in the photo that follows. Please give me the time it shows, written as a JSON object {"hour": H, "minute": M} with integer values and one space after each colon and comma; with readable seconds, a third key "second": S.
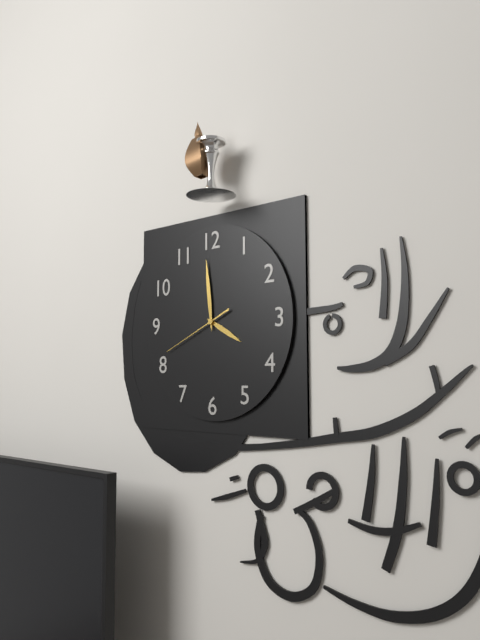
{"hour": 3, "minute": 59, "second": 41}
